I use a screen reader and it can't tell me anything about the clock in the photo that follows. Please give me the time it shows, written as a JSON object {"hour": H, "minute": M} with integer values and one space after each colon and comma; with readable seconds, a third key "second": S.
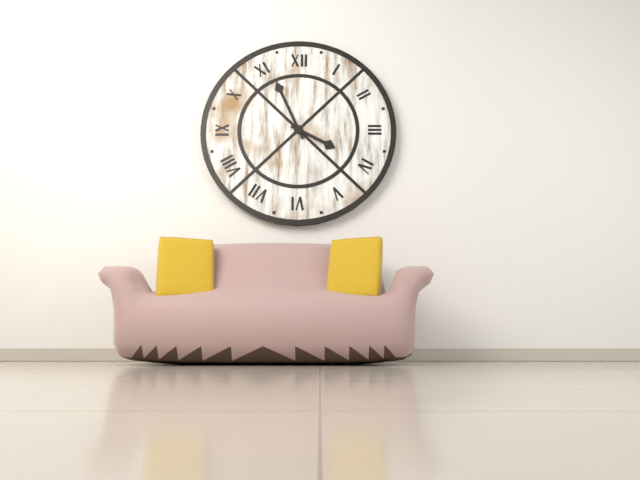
{"hour": 3, "minute": 56}
